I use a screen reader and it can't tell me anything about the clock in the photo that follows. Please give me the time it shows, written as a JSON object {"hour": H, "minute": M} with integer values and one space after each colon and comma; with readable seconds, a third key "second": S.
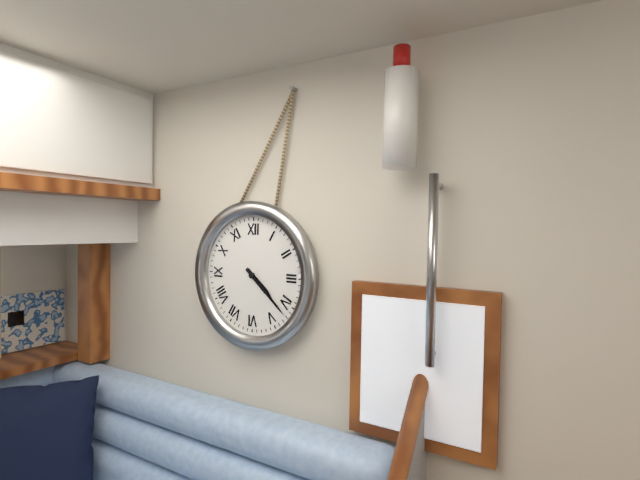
{"hour": 4, "minute": 22}
